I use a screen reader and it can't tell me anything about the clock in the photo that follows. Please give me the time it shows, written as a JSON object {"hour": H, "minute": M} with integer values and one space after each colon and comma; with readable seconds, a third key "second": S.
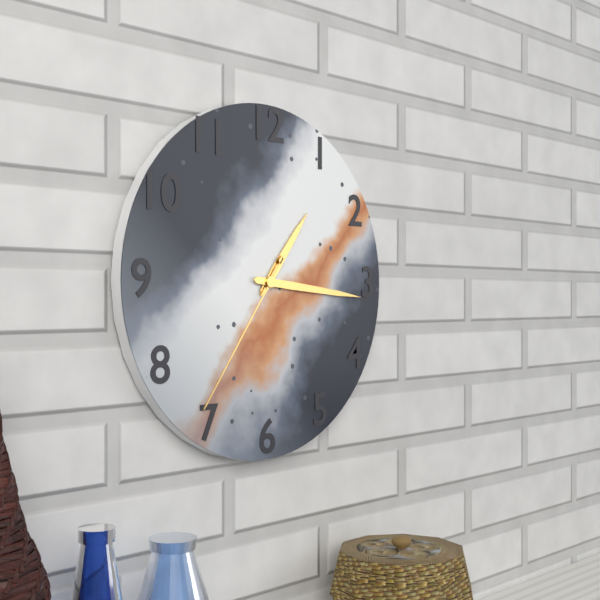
{"hour": 1, "minute": 16, "second": 36}
